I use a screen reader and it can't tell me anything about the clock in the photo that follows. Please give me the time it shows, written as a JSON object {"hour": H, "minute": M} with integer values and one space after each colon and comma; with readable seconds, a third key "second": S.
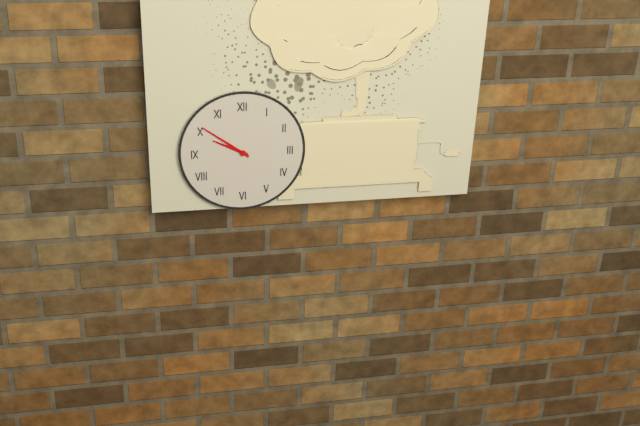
{"hour": 9, "minute": 51}
